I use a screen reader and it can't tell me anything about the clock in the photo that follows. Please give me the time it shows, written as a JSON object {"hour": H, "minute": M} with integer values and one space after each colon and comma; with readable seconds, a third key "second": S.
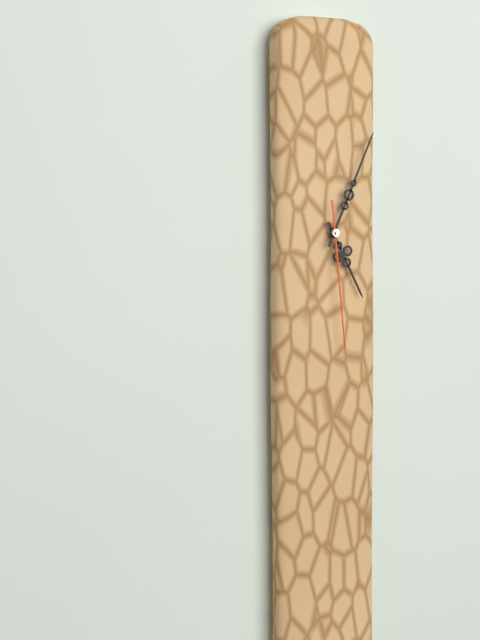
{"hour": 5, "minute": 4, "second": 29}
